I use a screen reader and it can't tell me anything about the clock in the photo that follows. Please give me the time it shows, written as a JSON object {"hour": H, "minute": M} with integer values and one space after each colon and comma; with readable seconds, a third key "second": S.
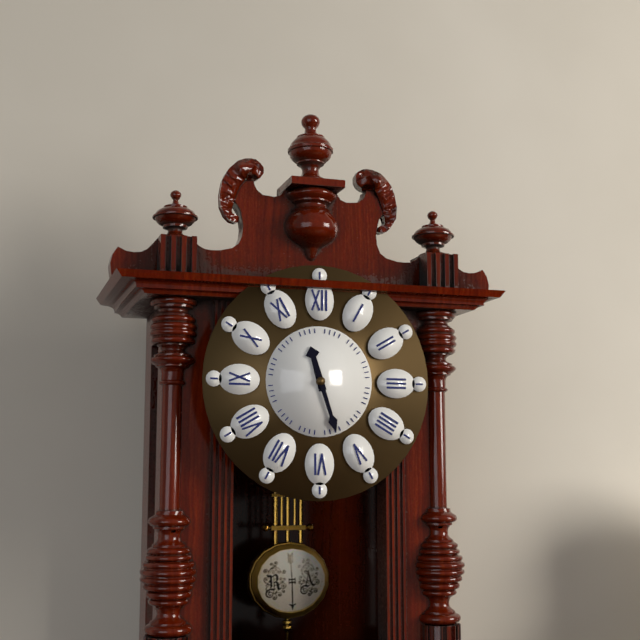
{"hour": 11, "minute": 27}
